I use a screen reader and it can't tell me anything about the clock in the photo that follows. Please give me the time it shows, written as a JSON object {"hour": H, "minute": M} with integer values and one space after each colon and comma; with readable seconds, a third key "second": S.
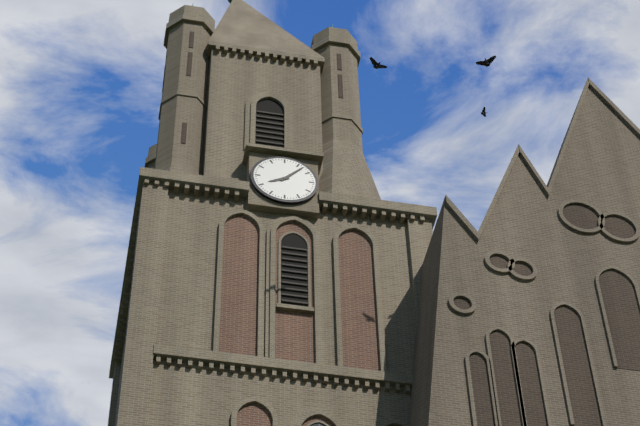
{"hour": 8, "minute": 7}
